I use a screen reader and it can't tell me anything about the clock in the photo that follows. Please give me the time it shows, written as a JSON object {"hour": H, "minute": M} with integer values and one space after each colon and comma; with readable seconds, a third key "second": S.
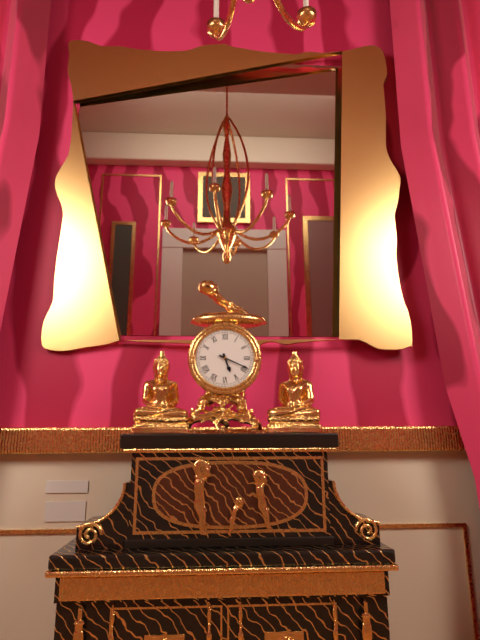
{"hour": 5, "minute": 19}
